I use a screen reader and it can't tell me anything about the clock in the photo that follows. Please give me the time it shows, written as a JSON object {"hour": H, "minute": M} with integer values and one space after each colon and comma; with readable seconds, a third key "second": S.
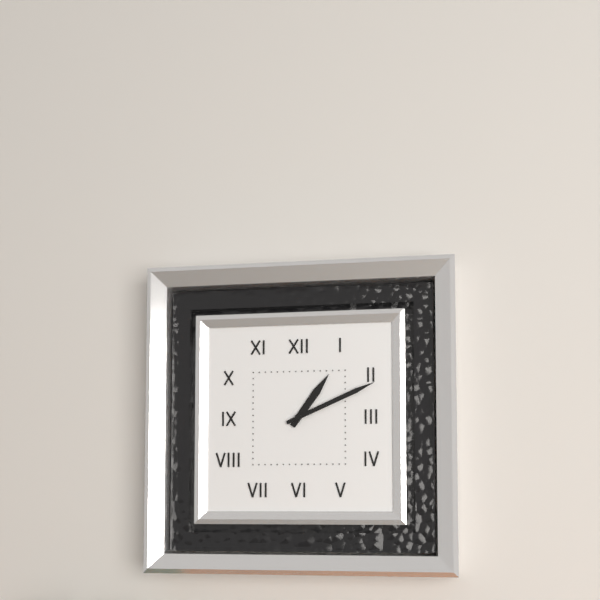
{"hour": 1, "minute": 11}
